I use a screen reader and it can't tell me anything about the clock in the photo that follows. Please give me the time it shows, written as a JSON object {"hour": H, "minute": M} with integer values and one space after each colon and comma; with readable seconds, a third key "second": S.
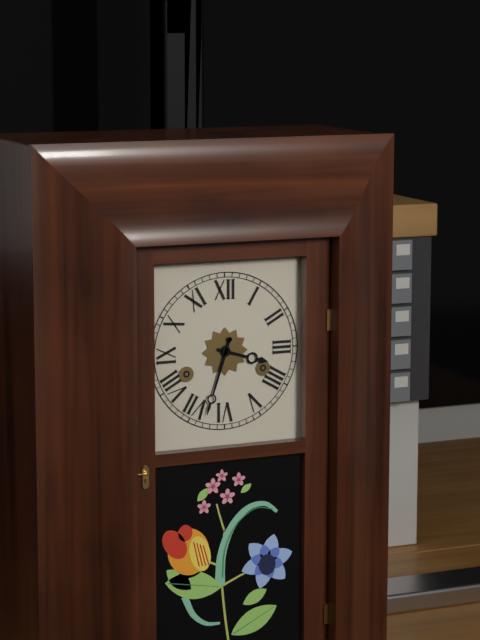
{"hour": 3, "minute": 33}
